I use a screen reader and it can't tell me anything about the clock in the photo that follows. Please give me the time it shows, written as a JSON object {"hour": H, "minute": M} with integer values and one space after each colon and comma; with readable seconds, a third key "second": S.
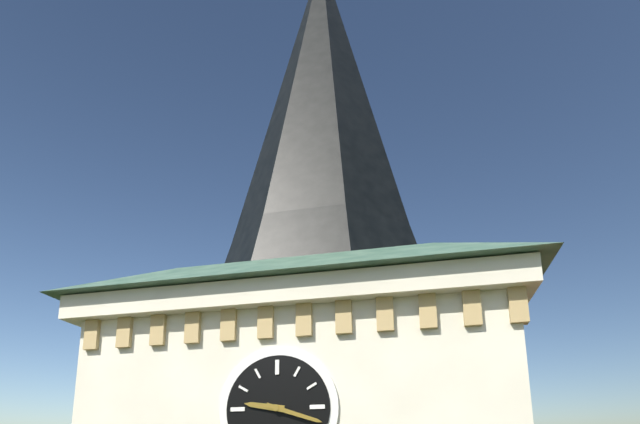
{"hour": 9, "minute": 18}
